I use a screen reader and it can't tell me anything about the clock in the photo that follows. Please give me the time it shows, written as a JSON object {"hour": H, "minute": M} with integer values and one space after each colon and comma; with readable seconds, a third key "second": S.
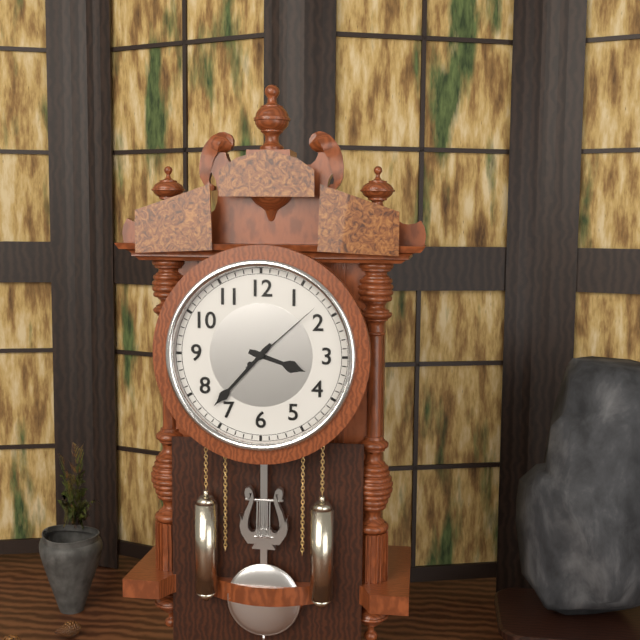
{"hour": 3, "minute": 37, "second": 8}
